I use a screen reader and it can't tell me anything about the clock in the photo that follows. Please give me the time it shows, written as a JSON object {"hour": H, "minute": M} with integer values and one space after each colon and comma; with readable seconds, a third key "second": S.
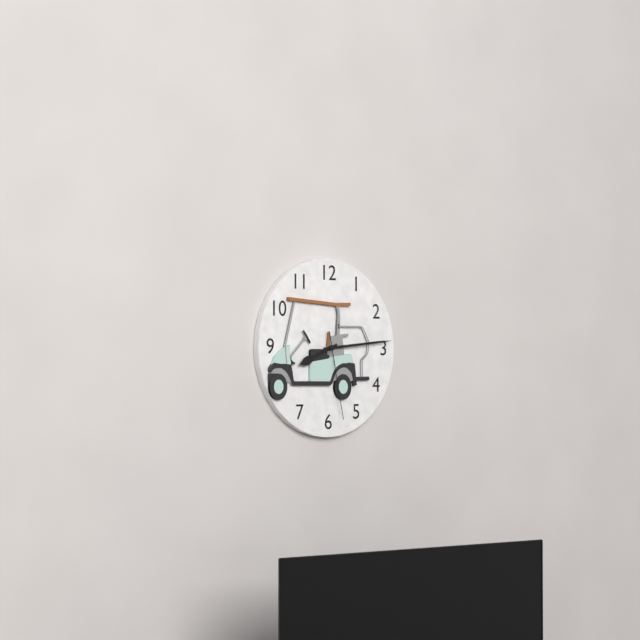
{"hour": 8, "minute": 14, "second": 28}
